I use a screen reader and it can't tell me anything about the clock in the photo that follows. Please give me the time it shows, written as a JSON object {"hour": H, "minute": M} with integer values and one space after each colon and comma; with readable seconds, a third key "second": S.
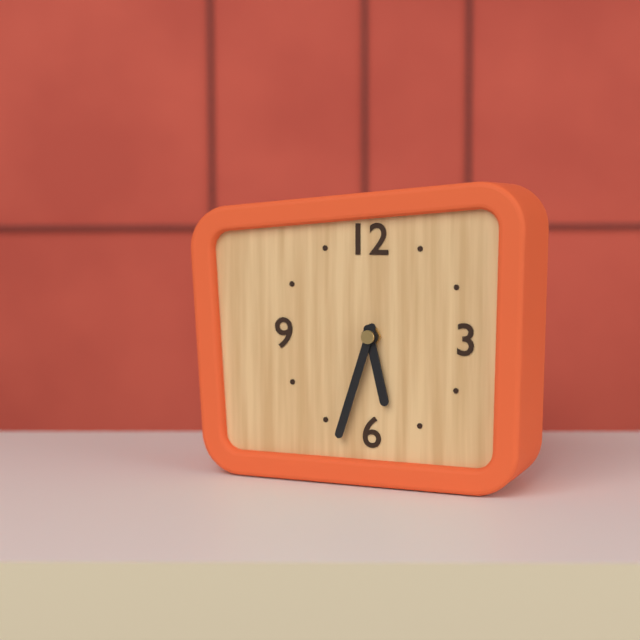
{"hour": 5, "minute": 33}
